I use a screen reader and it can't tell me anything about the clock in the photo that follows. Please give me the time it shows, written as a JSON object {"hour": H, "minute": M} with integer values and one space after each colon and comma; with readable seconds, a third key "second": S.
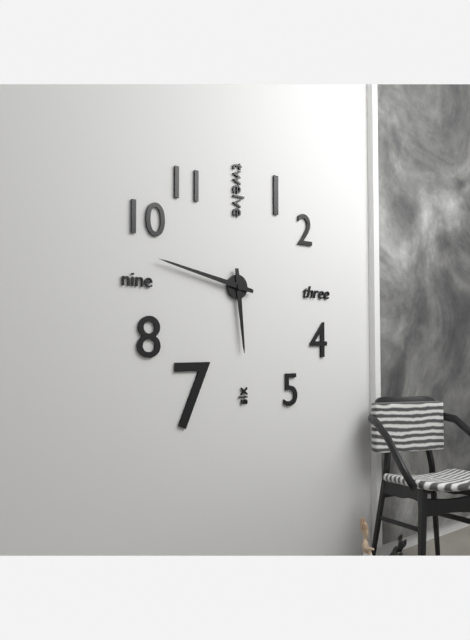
{"hour": 5, "minute": 47}
